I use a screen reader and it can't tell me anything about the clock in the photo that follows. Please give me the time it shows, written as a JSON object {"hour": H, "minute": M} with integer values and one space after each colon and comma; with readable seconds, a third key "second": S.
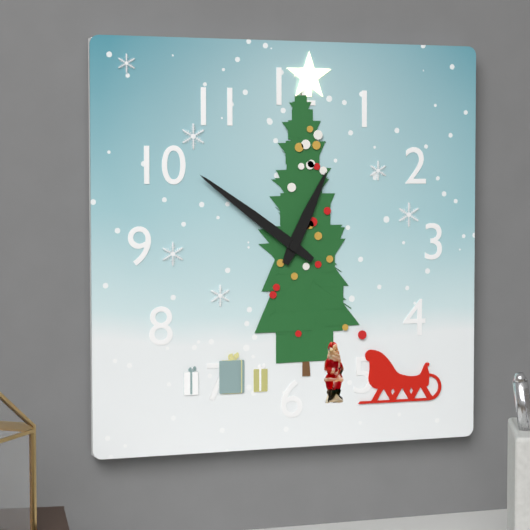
{"hour": 12, "minute": 51}
